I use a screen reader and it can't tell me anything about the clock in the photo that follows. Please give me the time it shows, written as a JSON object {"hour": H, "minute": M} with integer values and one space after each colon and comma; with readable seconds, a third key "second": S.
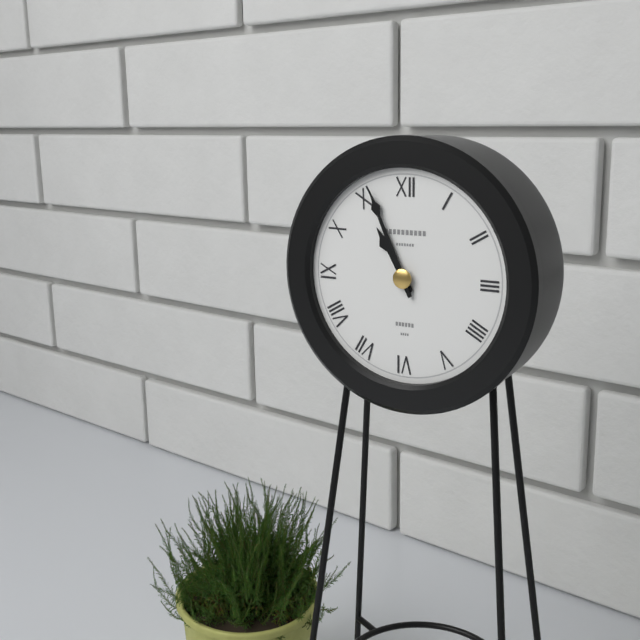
{"hour": 10, "minute": 56}
